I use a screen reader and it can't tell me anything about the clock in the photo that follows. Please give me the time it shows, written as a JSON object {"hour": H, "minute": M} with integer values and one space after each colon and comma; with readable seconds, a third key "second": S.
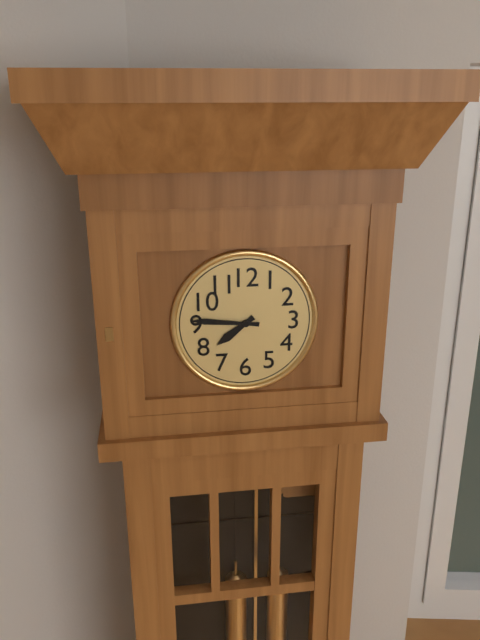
{"hour": 7, "minute": 46}
